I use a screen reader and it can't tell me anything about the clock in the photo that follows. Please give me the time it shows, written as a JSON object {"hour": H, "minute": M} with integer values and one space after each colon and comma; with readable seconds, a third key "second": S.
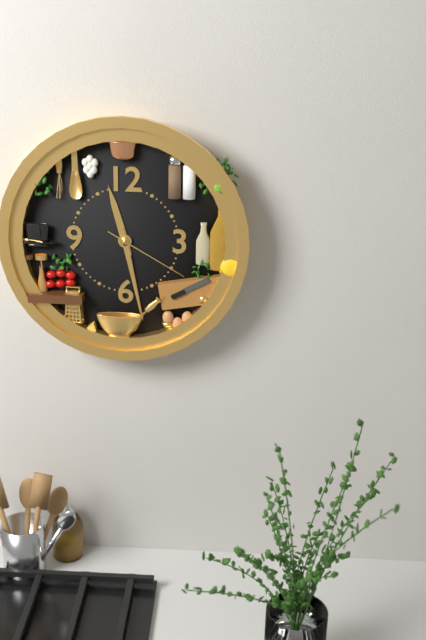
{"hour": 11, "minute": 28, "second": 20}
